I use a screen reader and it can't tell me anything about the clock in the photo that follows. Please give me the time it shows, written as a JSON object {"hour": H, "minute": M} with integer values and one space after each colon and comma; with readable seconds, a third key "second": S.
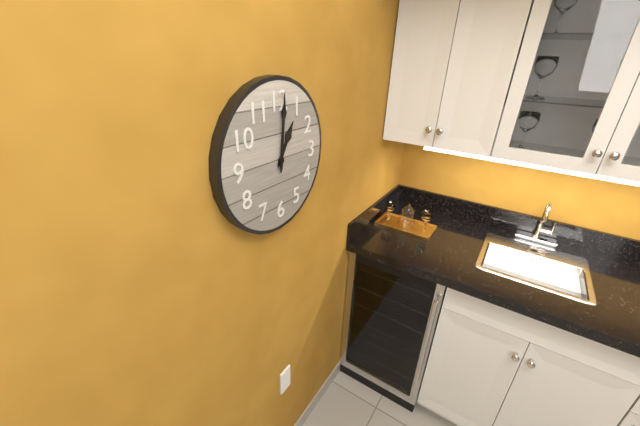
{"hour": 1, "minute": 1}
